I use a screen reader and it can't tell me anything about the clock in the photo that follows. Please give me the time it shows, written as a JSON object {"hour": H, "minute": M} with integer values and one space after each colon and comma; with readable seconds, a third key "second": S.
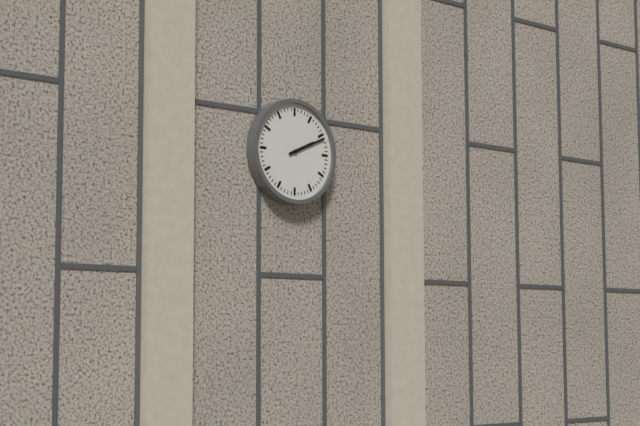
{"hour": 2, "minute": 11}
